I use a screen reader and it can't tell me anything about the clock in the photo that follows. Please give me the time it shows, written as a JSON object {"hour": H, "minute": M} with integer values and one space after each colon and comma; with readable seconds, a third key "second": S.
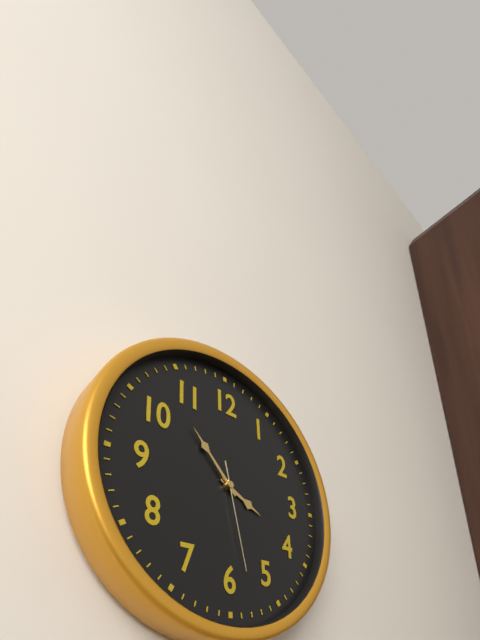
{"hour": 3, "minute": 53, "second": 28}
